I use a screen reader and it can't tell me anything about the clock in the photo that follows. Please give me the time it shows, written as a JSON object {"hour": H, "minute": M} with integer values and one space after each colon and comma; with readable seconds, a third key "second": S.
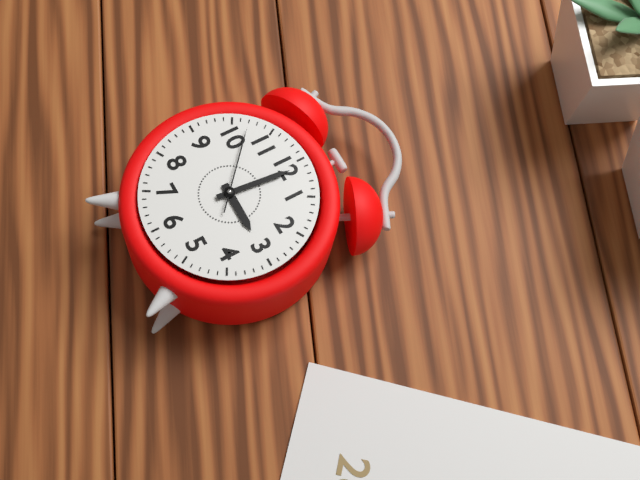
{"hour": 3, "minute": 1, "second": 52}
